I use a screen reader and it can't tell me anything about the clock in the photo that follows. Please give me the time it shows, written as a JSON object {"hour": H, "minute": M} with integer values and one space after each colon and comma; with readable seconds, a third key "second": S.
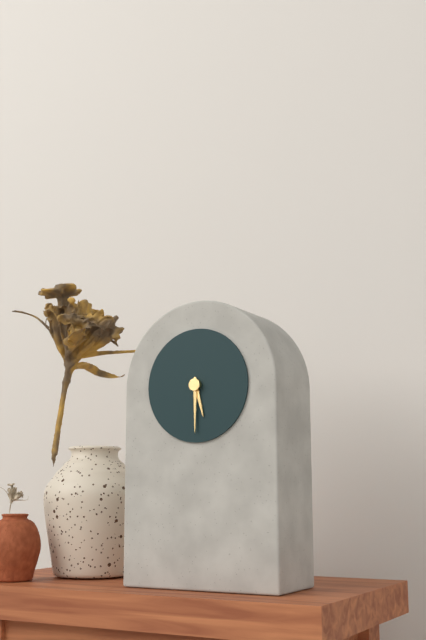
{"hour": 5, "minute": 30}
